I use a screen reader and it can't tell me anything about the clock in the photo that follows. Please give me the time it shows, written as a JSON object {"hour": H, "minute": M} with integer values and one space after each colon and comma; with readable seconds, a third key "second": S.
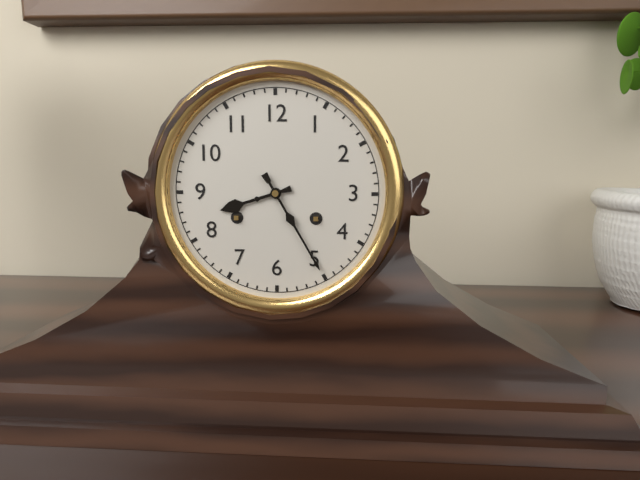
{"hour": 8, "minute": 25}
